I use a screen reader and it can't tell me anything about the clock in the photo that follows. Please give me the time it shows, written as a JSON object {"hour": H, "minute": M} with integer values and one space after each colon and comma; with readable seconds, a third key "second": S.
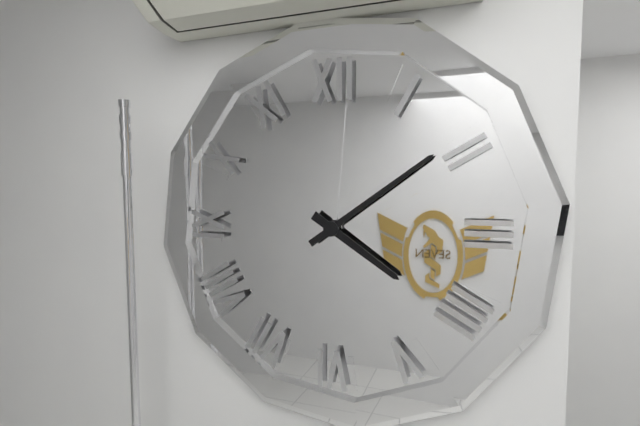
{"hour": 4, "minute": 9}
